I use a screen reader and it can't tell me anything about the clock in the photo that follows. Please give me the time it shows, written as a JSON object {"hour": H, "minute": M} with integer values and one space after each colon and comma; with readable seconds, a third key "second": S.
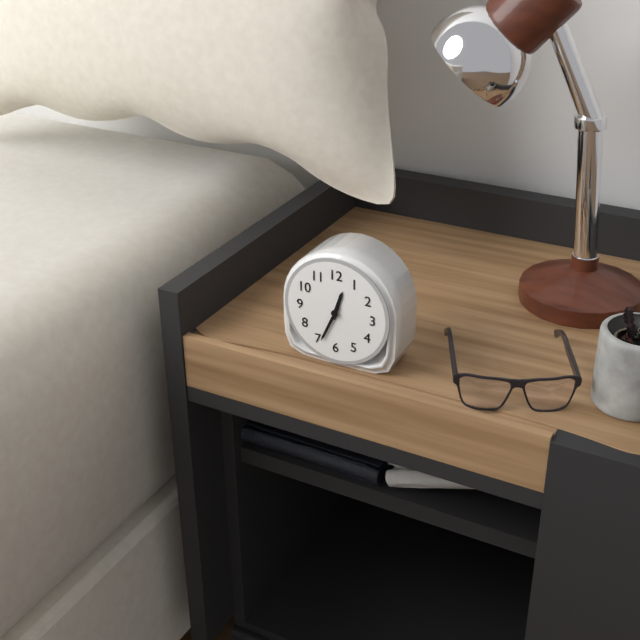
{"hour": 12, "minute": 34}
